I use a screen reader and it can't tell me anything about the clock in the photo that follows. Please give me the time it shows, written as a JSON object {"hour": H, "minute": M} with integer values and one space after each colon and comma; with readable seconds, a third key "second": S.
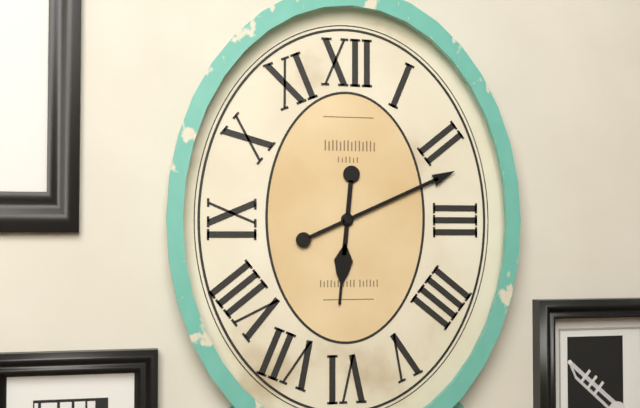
{"hour": 6, "minute": 11}
